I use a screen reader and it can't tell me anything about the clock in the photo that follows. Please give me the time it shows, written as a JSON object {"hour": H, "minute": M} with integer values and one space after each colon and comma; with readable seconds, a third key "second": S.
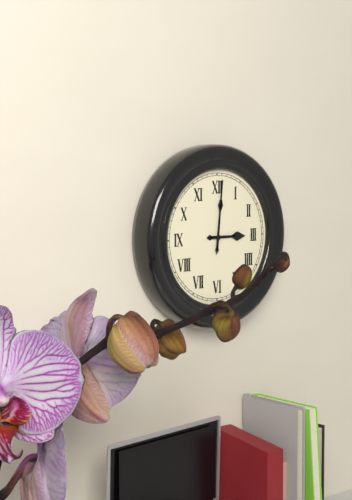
{"hour": 3, "minute": 1}
